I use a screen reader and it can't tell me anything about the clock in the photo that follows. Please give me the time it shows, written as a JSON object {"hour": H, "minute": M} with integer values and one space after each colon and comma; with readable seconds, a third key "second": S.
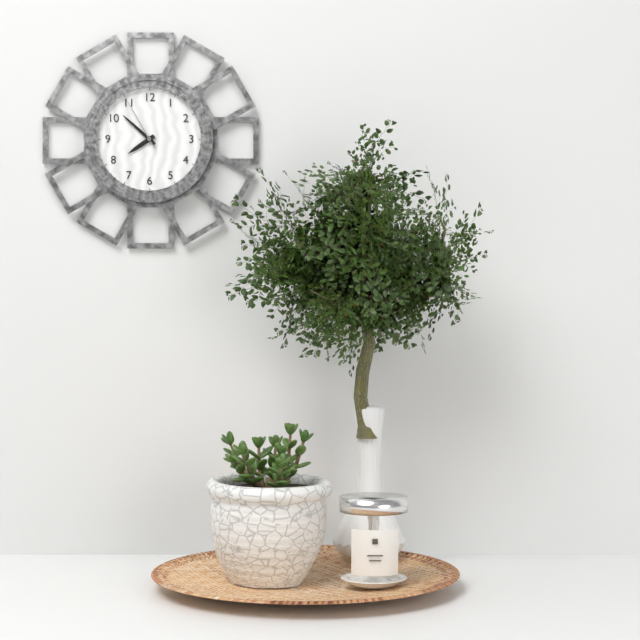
{"hour": 7, "minute": 52, "second": 55}
